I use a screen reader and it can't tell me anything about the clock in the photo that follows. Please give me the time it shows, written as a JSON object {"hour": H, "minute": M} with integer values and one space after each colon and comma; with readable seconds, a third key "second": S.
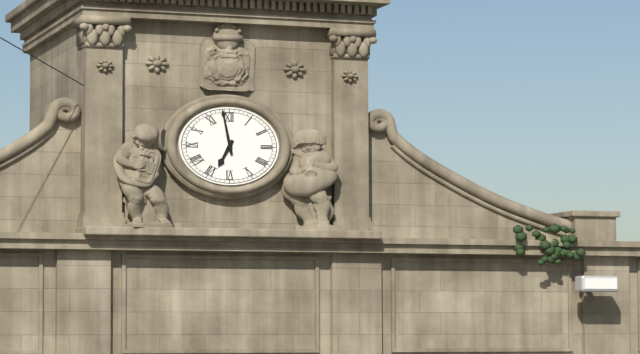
{"hour": 6, "minute": 58}
